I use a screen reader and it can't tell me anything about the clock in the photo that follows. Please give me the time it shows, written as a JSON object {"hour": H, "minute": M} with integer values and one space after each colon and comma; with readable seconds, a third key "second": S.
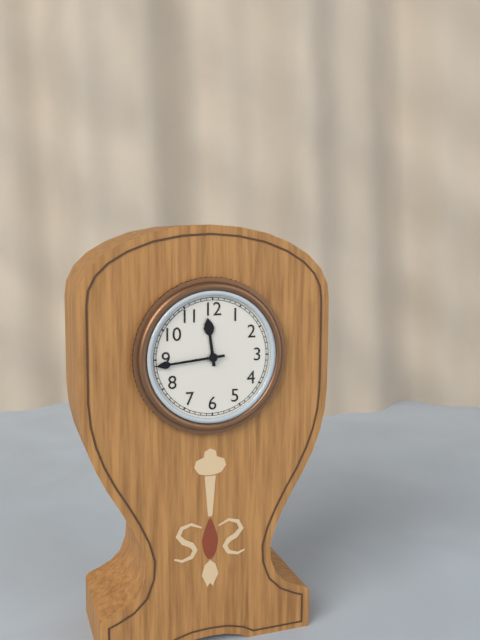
{"hour": 11, "minute": 44}
